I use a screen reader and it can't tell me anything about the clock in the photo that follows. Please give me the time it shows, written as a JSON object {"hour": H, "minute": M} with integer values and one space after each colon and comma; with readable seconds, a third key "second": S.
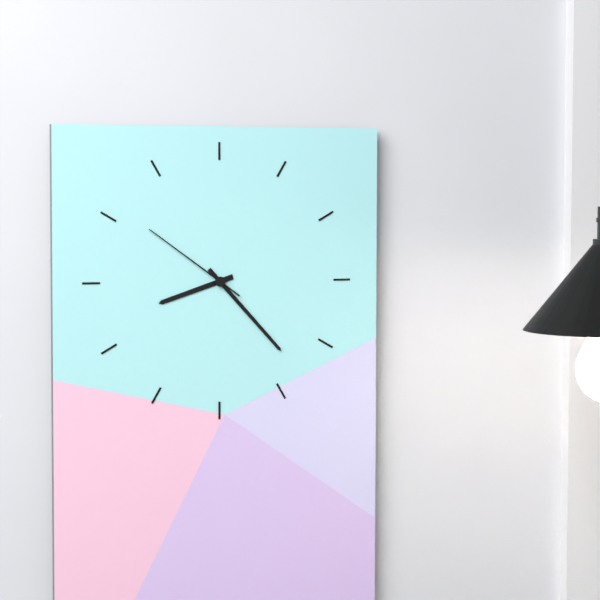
{"hour": 8, "minute": 23, "second": 51}
